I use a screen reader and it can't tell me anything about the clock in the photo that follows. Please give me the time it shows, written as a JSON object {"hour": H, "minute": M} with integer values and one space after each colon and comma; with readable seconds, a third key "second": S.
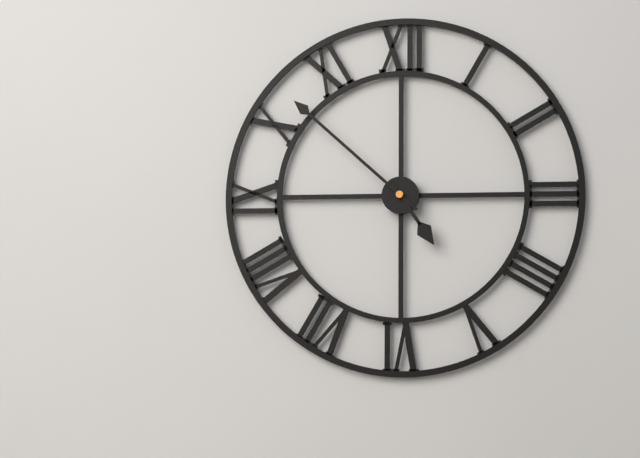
{"hour": 4, "minute": 52}
